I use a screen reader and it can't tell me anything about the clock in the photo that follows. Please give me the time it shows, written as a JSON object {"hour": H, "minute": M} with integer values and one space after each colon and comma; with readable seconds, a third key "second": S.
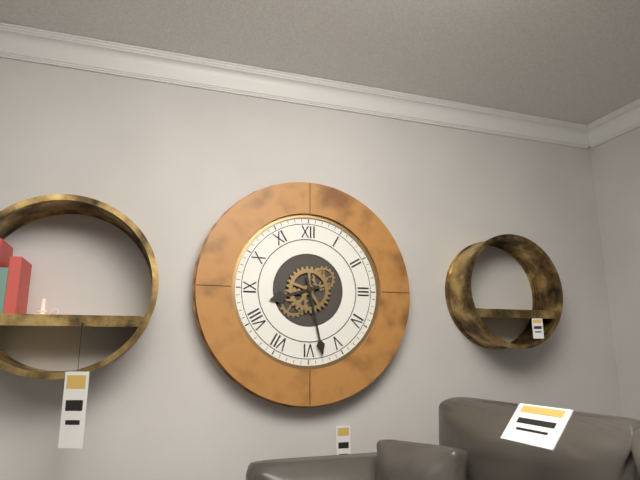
{"hour": 8, "minute": 28}
